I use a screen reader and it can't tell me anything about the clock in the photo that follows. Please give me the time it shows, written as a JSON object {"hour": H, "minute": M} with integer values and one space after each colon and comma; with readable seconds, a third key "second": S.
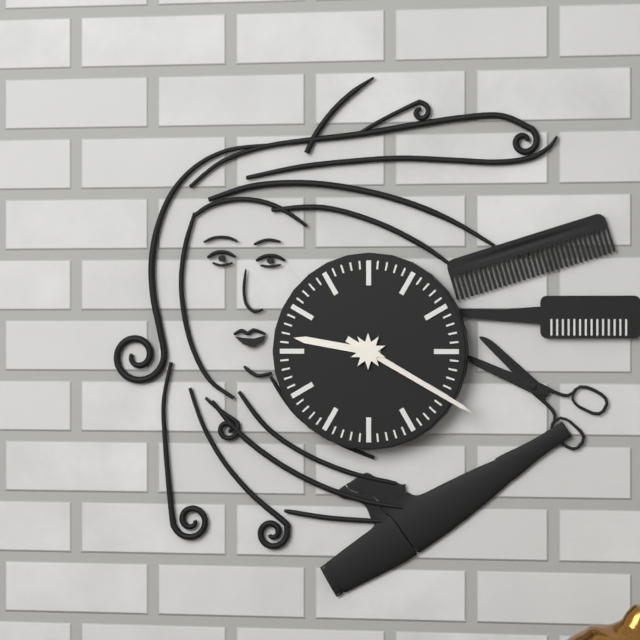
{"hour": 9, "minute": 20}
